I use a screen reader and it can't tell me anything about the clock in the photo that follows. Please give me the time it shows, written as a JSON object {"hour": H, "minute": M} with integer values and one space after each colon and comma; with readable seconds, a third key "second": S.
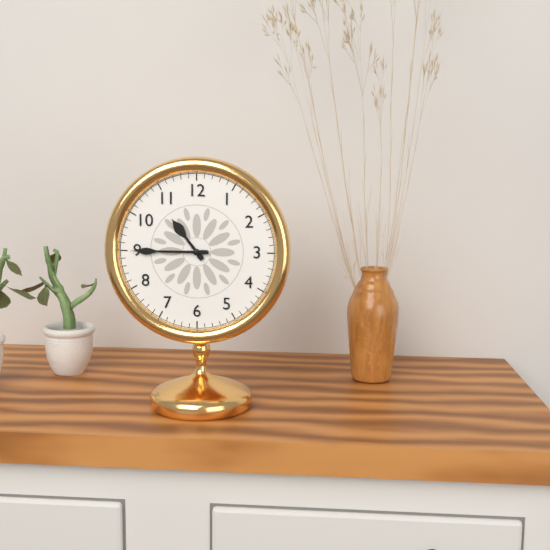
{"hour": 10, "minute": 45}
